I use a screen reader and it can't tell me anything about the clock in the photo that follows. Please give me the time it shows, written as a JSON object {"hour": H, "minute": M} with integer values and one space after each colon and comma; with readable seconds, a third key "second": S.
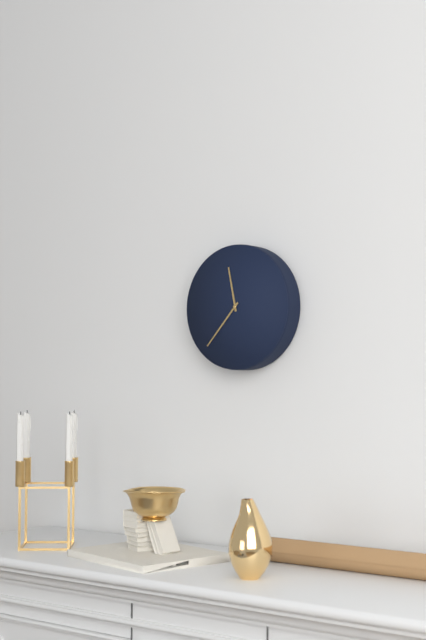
{"hour": 11, "minute": 37}
